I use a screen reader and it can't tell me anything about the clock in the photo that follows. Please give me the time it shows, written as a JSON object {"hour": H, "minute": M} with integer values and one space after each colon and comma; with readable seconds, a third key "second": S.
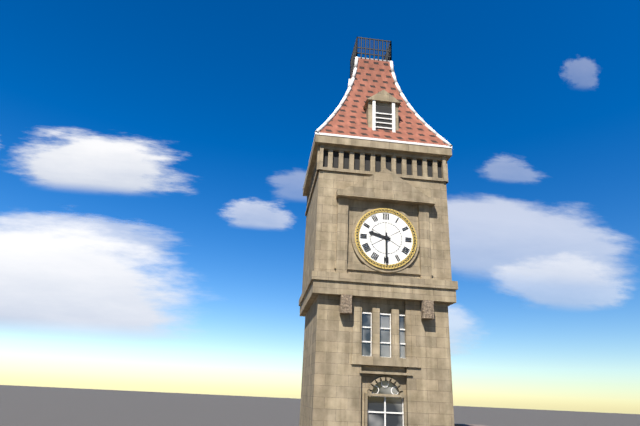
{"hour": 9, "minute": 30}
